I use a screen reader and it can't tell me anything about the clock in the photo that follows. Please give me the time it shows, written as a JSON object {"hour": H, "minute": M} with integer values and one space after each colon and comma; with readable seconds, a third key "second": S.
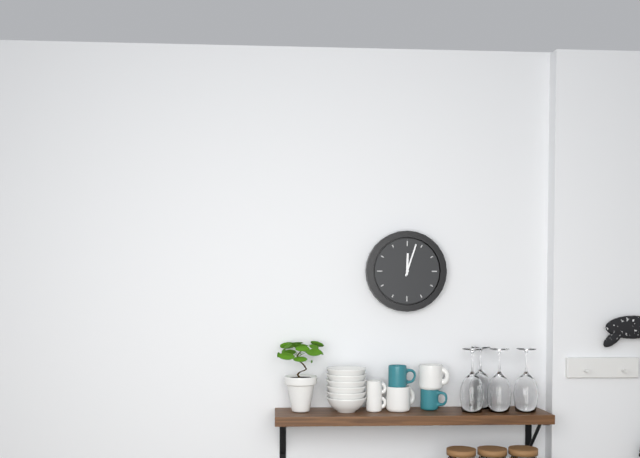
{"hour": 12, "minute": 3}
